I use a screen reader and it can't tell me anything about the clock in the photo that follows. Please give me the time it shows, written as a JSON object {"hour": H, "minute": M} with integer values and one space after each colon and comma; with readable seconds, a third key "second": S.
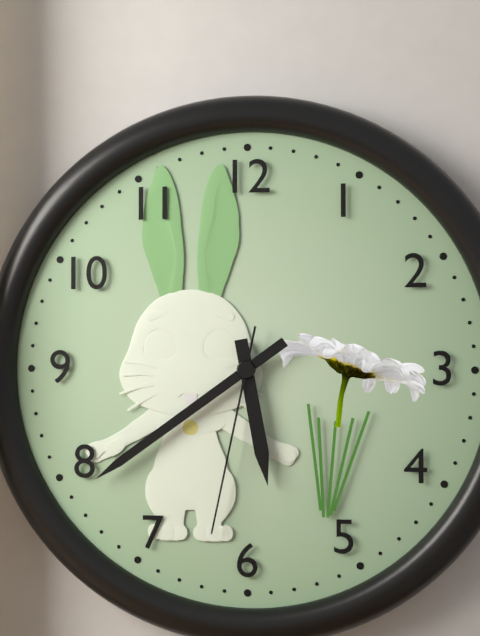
{"hour": 5, "minute": 39, "second": 32}
